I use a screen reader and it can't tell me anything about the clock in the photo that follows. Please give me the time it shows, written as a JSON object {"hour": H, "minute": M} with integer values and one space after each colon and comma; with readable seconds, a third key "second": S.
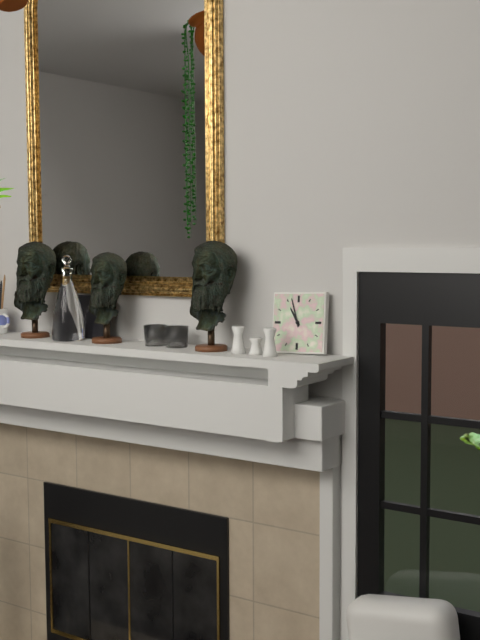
{"hour": 10, "minute": 57}
